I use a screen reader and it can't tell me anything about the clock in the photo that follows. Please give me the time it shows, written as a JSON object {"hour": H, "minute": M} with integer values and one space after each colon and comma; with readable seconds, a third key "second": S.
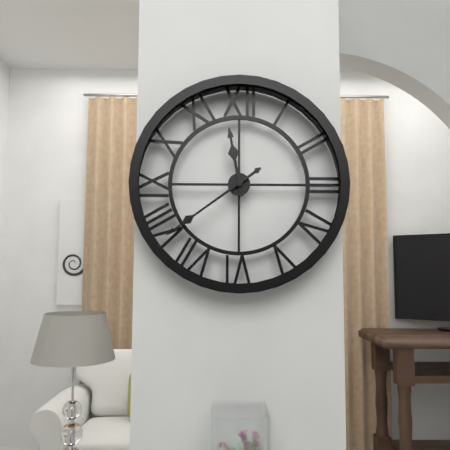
{"hour": 11, "minute": 39}
